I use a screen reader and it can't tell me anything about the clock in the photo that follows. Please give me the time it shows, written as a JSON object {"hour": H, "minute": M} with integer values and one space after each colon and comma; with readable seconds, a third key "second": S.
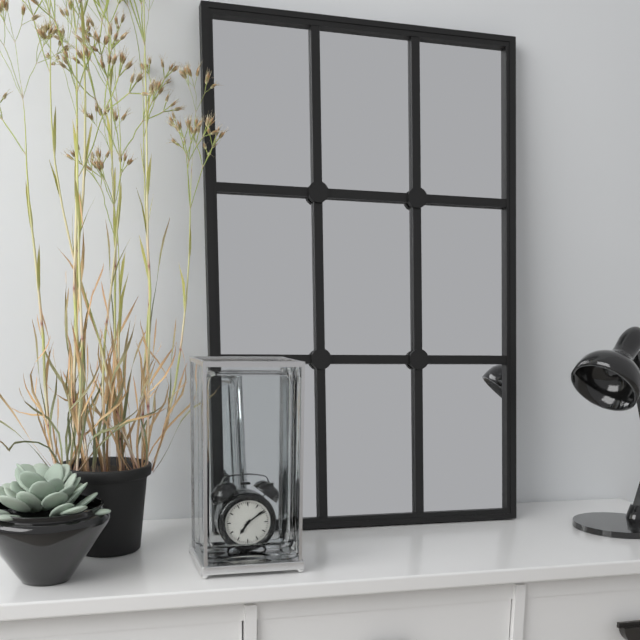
{"hour": 7, "minute": 9}
